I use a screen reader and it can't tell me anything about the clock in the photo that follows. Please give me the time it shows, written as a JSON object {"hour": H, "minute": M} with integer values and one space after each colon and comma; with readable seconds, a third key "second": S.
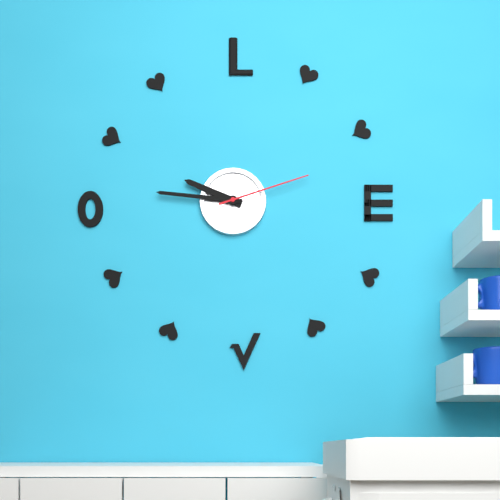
{"hour": 9, "minute": 46, "second": 12}
